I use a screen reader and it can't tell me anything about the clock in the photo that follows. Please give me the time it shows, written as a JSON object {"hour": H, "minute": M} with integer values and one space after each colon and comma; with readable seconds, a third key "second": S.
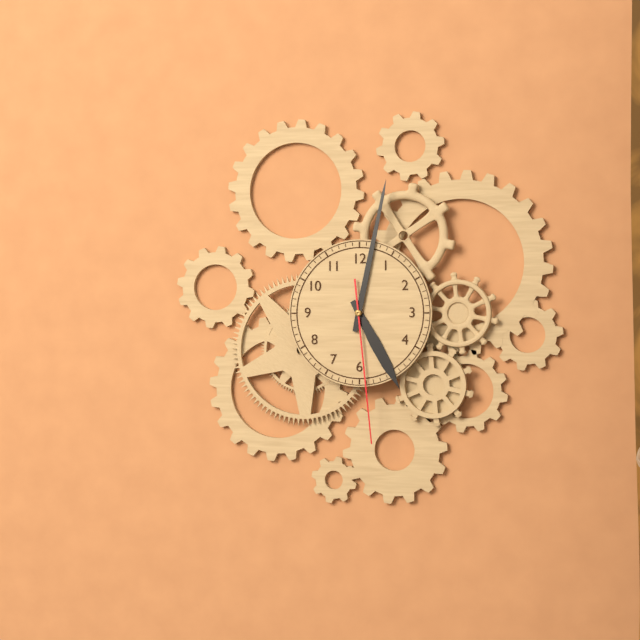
{"hour": 5, "minute": 2, "second": 29}
